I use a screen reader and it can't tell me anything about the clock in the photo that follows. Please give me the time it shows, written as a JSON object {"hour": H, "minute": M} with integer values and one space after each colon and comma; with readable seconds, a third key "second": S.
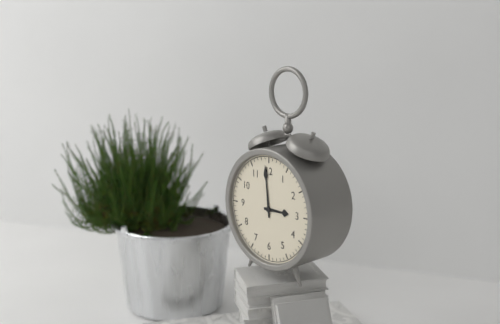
{"hour": 2, "minute": 59}
